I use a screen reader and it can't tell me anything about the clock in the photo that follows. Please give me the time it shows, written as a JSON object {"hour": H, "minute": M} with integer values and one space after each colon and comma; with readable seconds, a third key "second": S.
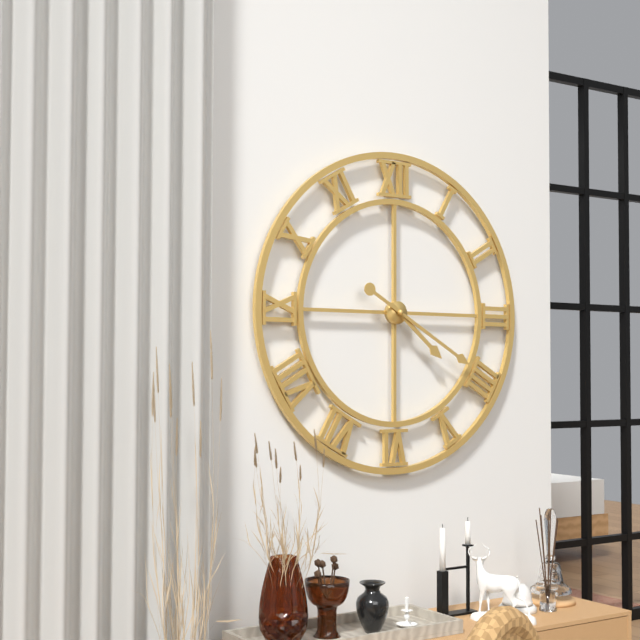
{"hour": 4, "minute": 20}
